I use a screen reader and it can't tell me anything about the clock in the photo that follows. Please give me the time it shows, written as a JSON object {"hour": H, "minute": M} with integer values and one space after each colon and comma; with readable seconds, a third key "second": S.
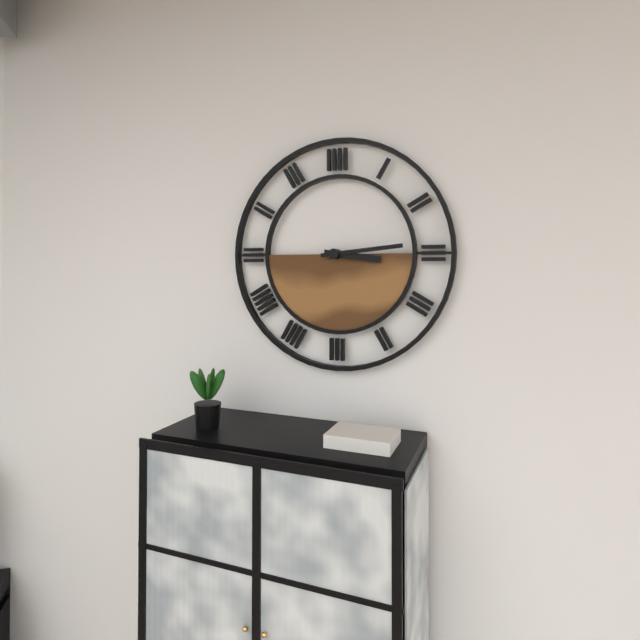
{"hour": 3, "minute": 14}
